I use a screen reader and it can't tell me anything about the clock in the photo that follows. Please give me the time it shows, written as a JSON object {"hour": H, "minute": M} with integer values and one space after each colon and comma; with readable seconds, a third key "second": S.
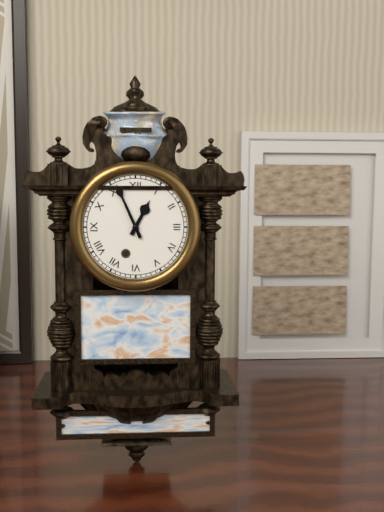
{"hour": 12, "minute": 56}
